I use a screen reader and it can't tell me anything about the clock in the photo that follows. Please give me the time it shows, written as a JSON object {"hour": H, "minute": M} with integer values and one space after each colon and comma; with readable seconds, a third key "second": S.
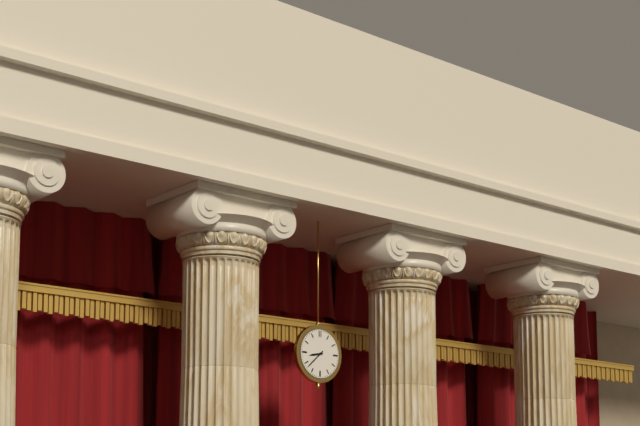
{"hour": 8, "minute": 38}
